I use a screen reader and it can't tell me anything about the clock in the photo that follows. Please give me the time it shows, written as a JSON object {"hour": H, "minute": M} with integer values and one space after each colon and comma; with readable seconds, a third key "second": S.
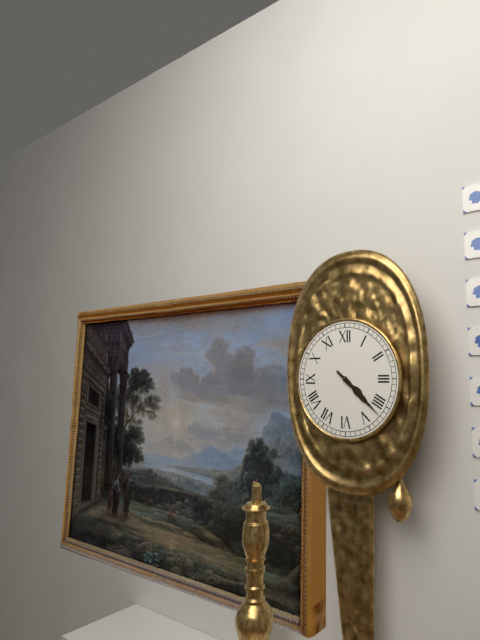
{"hour": 4, "minute": 22}
